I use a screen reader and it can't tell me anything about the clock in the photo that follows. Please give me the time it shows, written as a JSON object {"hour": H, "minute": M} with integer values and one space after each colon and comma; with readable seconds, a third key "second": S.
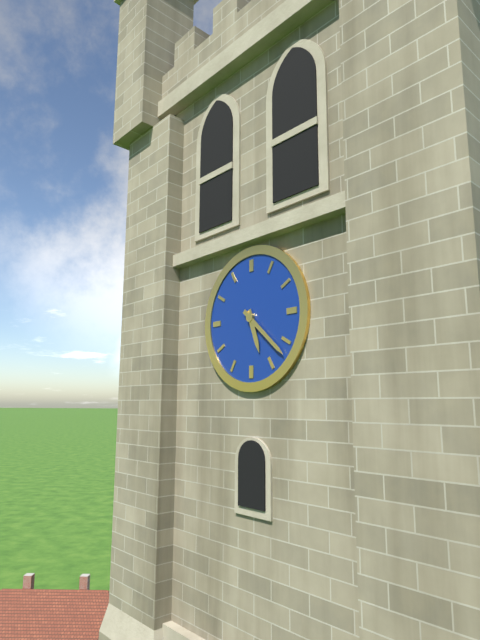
{"hour": 5, "minute": 22}
